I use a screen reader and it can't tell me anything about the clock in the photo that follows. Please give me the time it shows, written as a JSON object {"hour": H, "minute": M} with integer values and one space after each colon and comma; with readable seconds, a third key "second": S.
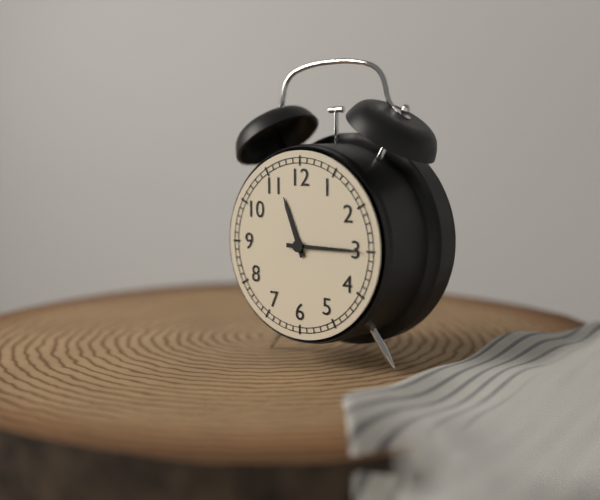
{"hour": 11, "minute": 15}
